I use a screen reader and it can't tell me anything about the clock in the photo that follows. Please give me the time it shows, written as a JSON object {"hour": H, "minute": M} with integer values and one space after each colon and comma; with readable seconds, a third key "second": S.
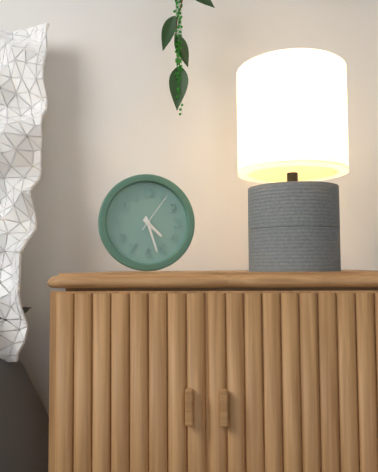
{"hour": 4, "minute": 27}
